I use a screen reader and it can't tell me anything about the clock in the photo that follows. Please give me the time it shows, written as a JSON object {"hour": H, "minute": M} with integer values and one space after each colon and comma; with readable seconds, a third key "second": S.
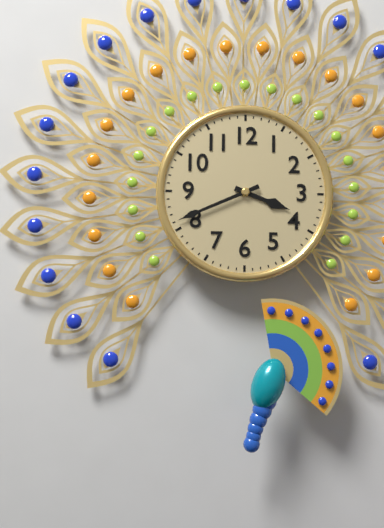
{"hour": 3, "minute": 41}
